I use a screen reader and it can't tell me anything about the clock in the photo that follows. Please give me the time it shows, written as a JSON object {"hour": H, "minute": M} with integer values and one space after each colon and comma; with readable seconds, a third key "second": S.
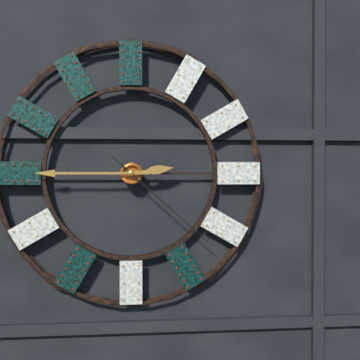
{"hour": 2, "minute": 45, "second": 22}
